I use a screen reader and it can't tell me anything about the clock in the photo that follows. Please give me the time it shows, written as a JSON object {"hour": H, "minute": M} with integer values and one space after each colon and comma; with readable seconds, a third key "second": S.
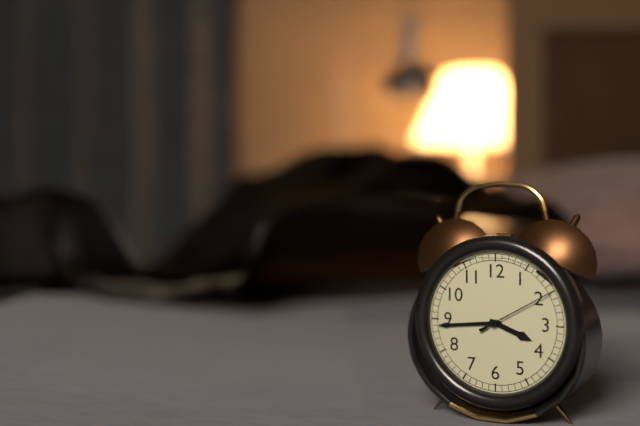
{"hour": 3, "minute": 44, "second": 10}
